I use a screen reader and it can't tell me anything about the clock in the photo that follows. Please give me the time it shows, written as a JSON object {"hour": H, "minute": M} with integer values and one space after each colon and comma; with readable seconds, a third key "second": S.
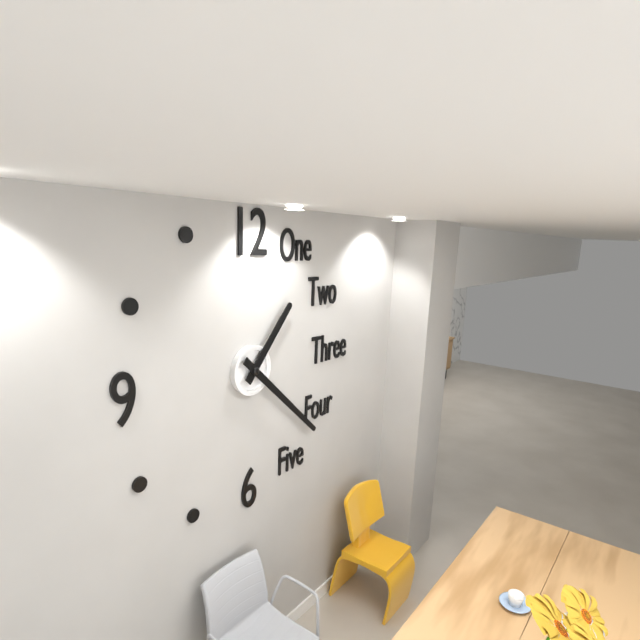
{"hour": 1, "minute": 22}
